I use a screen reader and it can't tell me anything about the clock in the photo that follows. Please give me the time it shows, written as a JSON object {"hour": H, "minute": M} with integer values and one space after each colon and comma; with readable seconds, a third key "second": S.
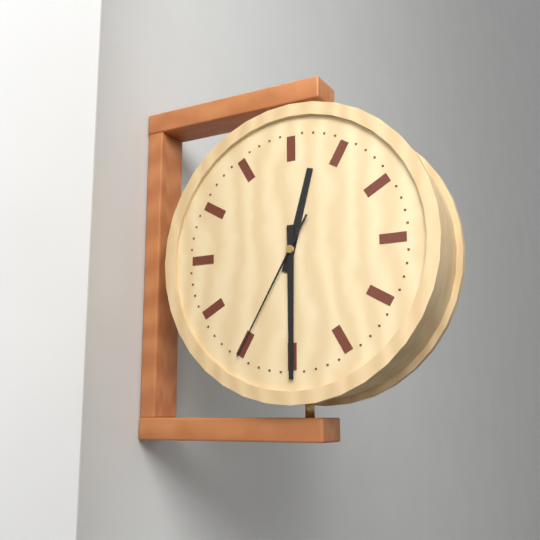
{"hour": 12, "minute": 30, "second": 35}
